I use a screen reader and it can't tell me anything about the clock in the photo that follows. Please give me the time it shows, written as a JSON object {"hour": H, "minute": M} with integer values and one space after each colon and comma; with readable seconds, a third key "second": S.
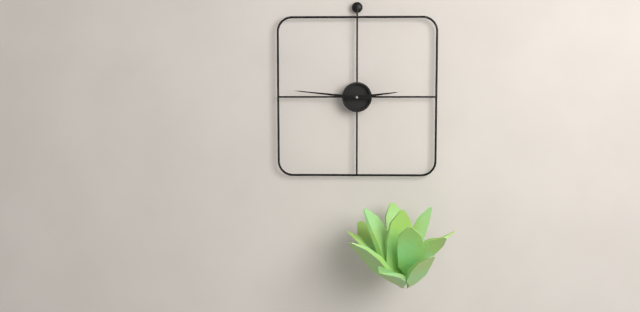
{"hour": 2, "minute": 46}
